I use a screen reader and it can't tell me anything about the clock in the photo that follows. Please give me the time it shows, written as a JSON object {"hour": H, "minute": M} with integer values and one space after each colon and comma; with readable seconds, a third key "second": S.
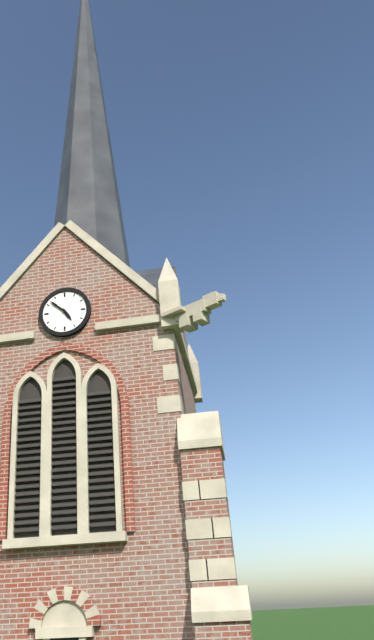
{"hour": 4, "minute": 52}
